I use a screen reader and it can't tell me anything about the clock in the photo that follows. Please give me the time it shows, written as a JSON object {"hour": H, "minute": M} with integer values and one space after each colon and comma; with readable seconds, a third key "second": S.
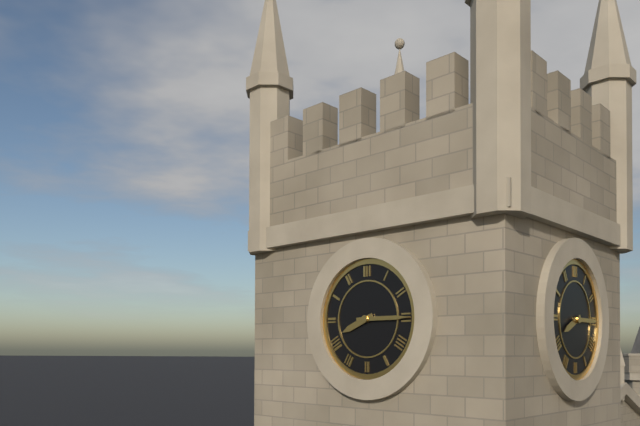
{"hour": 8, "minute": 15}
